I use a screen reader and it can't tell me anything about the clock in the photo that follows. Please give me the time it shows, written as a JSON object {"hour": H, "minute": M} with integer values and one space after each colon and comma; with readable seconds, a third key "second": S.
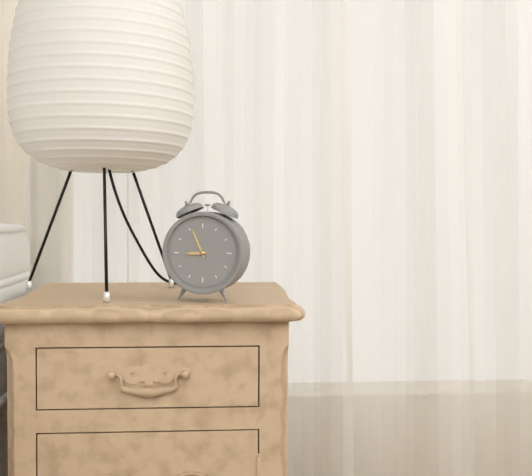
{"hour": 8, "minute": 56}
